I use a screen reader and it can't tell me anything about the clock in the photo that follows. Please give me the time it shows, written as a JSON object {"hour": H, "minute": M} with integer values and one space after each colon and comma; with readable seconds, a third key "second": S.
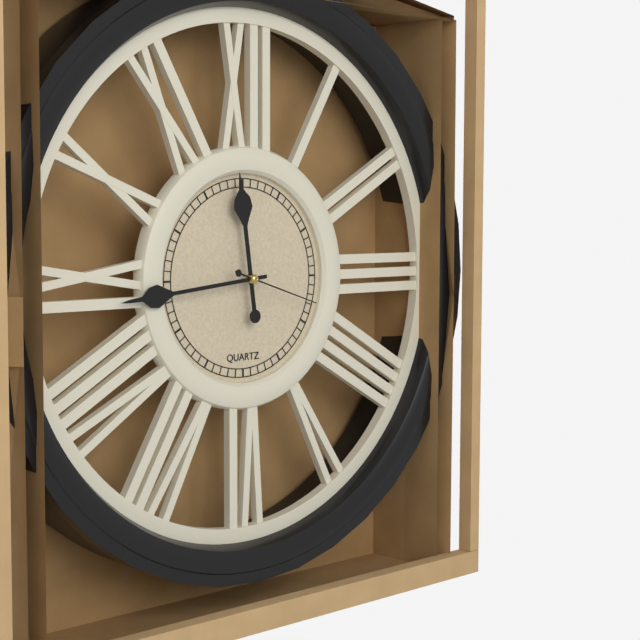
{"hour": 11, "minute": 44, "second": 18}
